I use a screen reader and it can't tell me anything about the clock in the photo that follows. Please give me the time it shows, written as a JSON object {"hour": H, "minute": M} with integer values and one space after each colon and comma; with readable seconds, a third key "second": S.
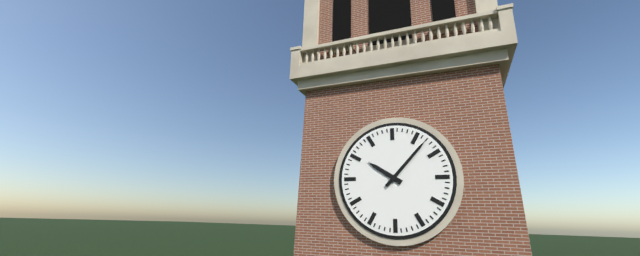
{"hour": 10, "minute": 7}
